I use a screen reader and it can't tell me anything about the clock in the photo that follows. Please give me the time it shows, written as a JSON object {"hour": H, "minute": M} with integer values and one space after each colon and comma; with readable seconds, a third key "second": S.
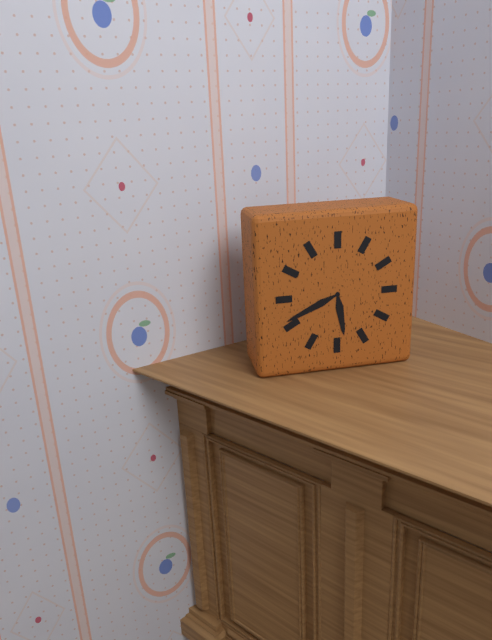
{"hour": 5, "minute": 41}
